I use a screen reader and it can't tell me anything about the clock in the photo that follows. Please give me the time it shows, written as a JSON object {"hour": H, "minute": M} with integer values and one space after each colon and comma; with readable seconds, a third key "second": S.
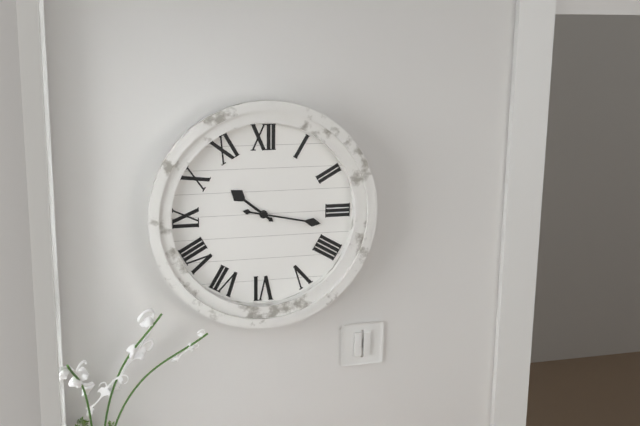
{"hour": 10, "minute": 17}
